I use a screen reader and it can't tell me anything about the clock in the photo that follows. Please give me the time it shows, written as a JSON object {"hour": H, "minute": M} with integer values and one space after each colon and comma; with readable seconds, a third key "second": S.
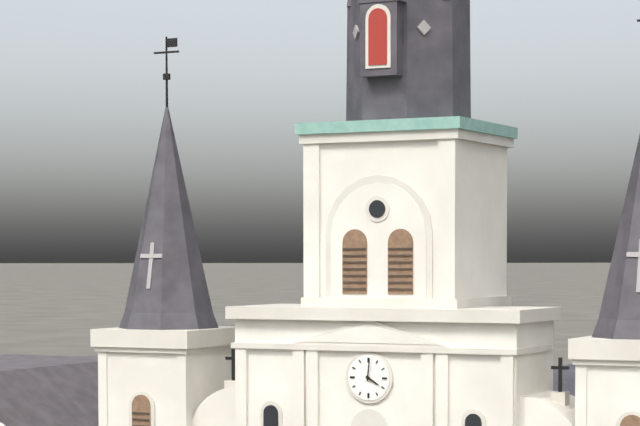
{"hour": 4, "minute": 1}
